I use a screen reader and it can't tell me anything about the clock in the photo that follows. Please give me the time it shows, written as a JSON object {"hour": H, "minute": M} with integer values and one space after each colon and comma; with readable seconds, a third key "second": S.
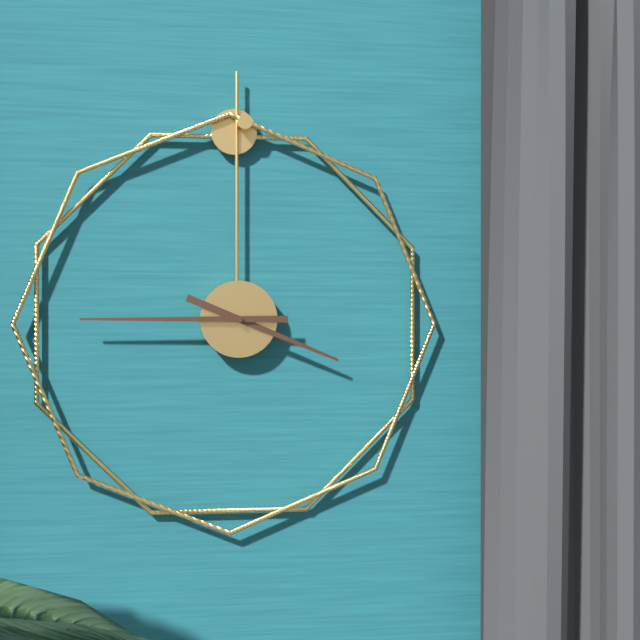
{"hour": 3, "minute": 45}
